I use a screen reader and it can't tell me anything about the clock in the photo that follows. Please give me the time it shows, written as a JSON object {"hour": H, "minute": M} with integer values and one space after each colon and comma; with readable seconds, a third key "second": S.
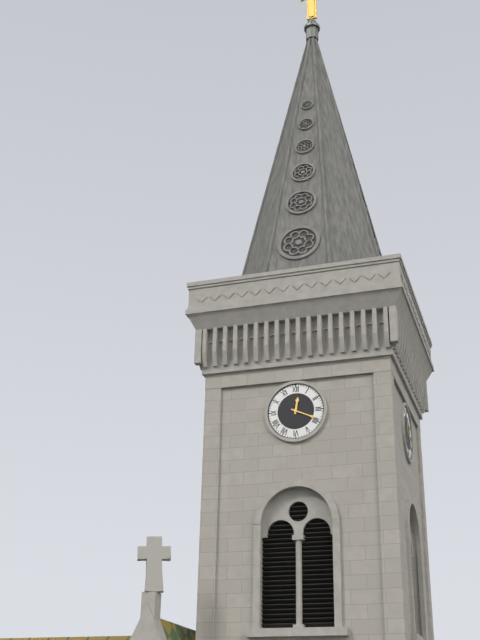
{"hour": 12, "minute": 19}
